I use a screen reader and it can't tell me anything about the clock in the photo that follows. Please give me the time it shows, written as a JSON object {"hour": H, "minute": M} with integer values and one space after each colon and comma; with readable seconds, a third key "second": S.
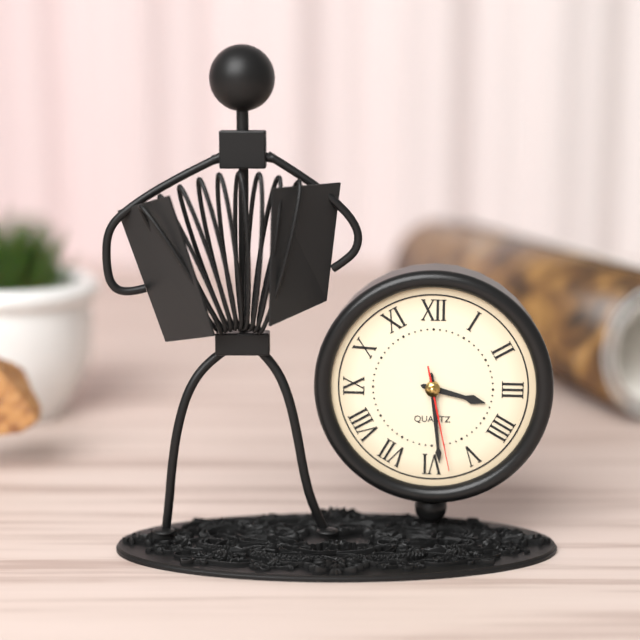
{"hour": 3, "minute": 29, "second": 28}
